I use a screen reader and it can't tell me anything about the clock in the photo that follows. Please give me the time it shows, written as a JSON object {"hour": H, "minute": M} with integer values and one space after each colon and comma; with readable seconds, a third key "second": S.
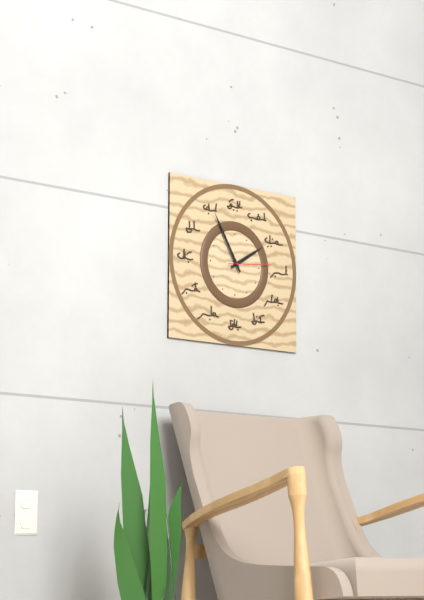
{"hour": 1, "minute": 55}
